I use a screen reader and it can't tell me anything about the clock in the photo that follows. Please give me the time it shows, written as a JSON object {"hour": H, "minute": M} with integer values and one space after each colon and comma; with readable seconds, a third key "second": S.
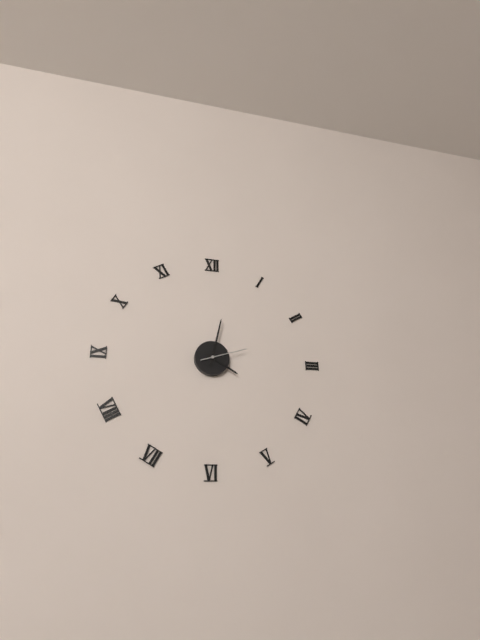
{"hour": 4, "minute": 2}
